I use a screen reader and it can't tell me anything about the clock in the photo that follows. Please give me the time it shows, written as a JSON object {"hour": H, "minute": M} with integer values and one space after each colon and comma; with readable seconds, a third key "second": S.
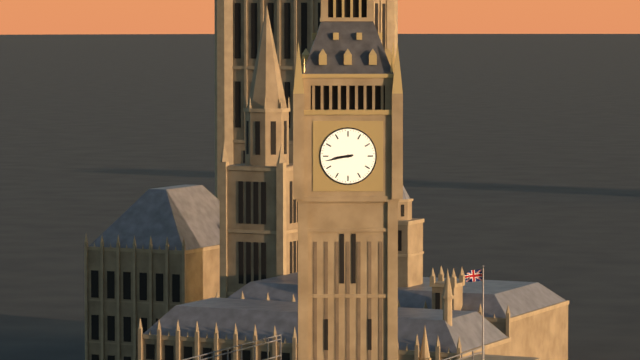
{"hour": 8, "minute": 43}
